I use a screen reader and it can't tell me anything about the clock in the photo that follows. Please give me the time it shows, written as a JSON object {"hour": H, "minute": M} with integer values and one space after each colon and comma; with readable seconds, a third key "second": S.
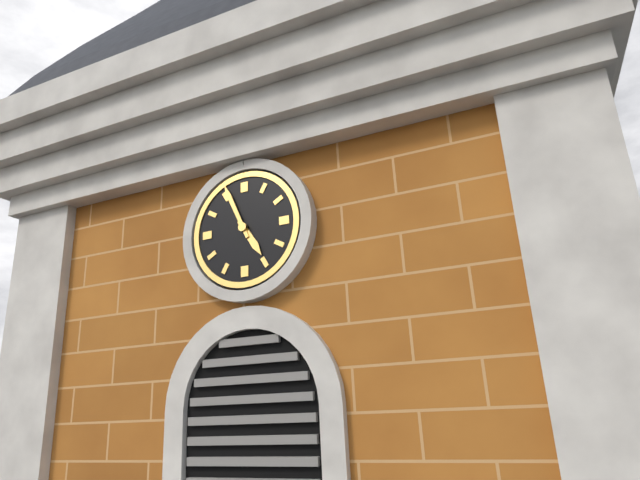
{"hour": 4, "minute": 56}
